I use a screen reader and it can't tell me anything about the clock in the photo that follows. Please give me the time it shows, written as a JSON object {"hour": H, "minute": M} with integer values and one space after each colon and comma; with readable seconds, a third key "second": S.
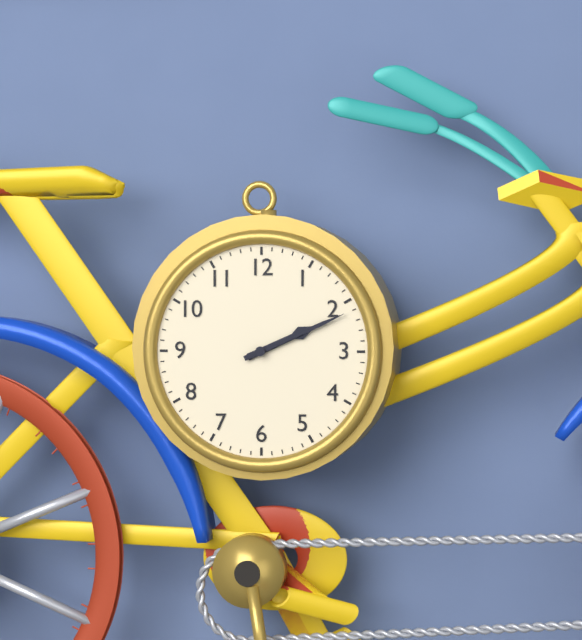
{"hour": 2, "minute": 11}
